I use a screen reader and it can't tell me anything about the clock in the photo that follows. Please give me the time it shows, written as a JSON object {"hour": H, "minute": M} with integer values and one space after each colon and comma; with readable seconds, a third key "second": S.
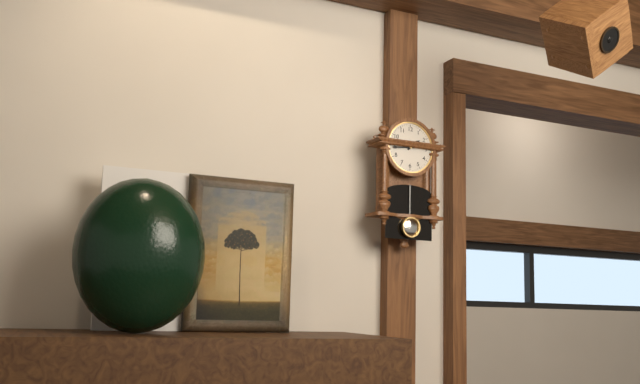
{"hour": 1, "minute": 44}
